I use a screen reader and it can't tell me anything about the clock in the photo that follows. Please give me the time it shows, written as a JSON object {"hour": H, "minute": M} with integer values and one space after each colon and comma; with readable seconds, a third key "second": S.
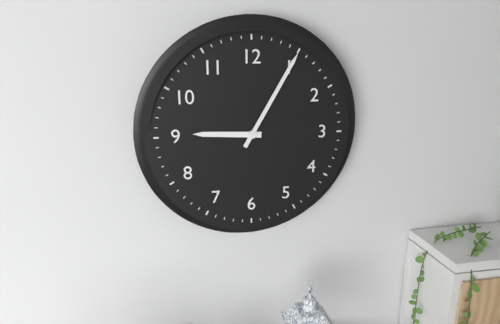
{"hour": 9, "minute": 5}
